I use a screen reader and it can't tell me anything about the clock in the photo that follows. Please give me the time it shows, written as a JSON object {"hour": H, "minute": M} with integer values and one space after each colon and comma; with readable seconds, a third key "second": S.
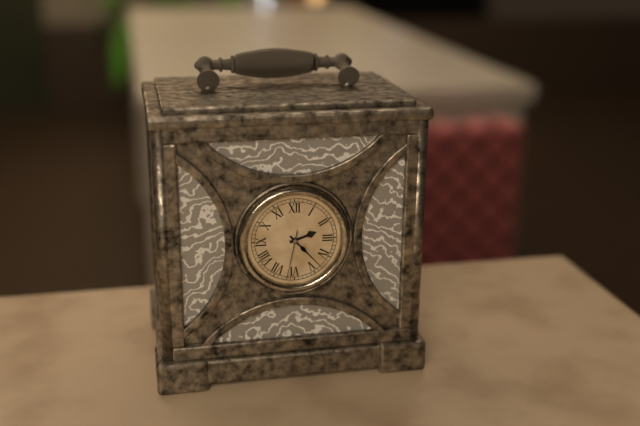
{"hour": 2, "minute": 23}
